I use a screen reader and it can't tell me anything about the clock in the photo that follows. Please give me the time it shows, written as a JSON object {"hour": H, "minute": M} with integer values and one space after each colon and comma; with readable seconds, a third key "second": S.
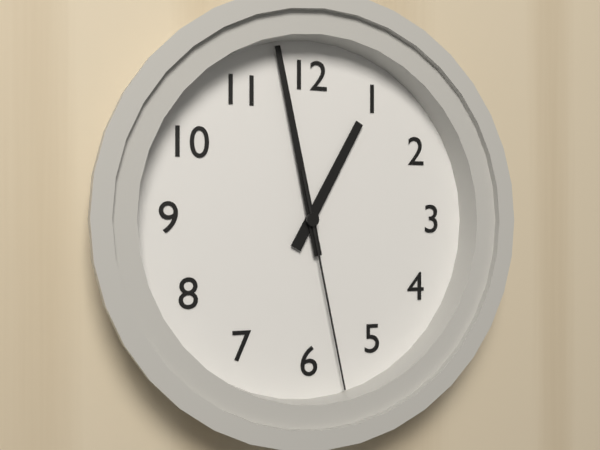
{"hour": 12, "minute": 58, "second": 28}
